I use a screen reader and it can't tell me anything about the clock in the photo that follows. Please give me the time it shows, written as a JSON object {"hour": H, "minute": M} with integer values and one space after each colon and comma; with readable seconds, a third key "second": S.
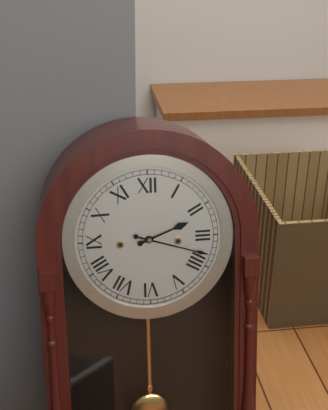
{"hour": 2, "minute": 18}
